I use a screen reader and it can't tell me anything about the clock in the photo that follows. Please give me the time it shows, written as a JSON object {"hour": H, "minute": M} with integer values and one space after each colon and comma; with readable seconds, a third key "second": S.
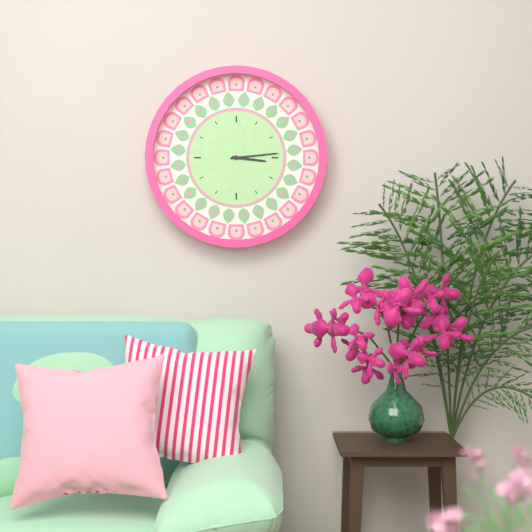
{"hour": 3, "minute": 14}
